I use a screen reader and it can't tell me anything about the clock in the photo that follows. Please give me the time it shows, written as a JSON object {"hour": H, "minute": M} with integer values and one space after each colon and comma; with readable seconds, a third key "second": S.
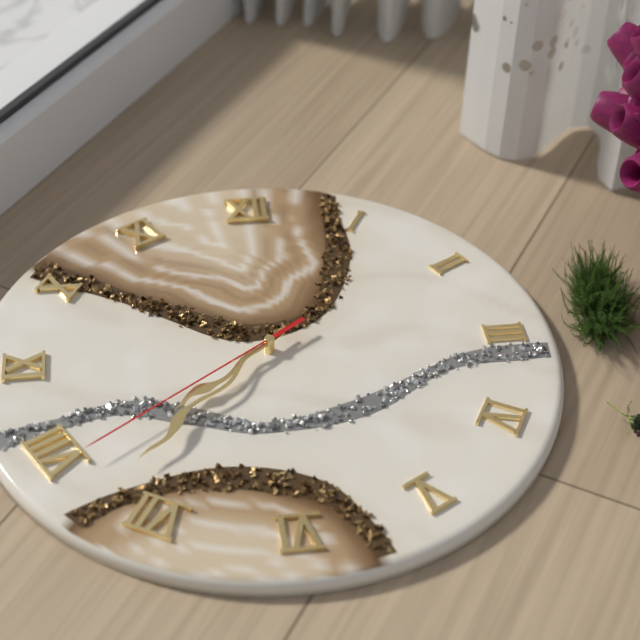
{"hour": 7, "minute": 37, "second": 39}
